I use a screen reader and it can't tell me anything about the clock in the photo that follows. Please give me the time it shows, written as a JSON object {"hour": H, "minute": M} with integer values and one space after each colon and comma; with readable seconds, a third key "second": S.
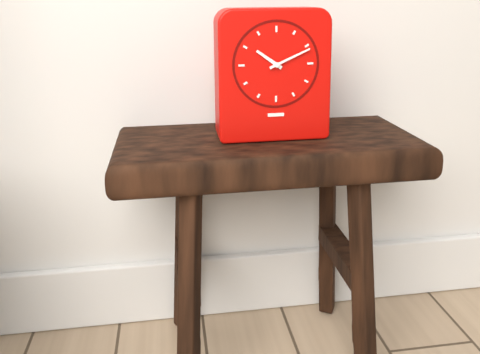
{"hour": 10, "minute": 11}
